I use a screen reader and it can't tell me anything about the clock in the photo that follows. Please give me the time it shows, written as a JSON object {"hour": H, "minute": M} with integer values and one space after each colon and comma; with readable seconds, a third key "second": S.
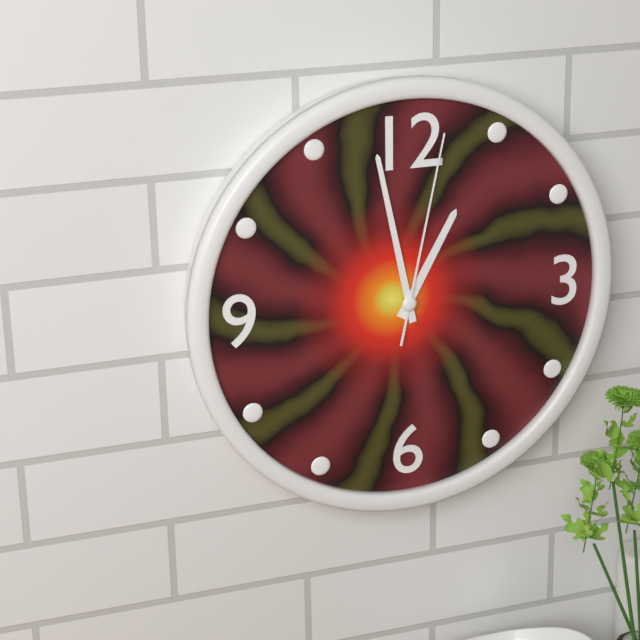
{"hour": 12, "minute": 58, "second": 2}
